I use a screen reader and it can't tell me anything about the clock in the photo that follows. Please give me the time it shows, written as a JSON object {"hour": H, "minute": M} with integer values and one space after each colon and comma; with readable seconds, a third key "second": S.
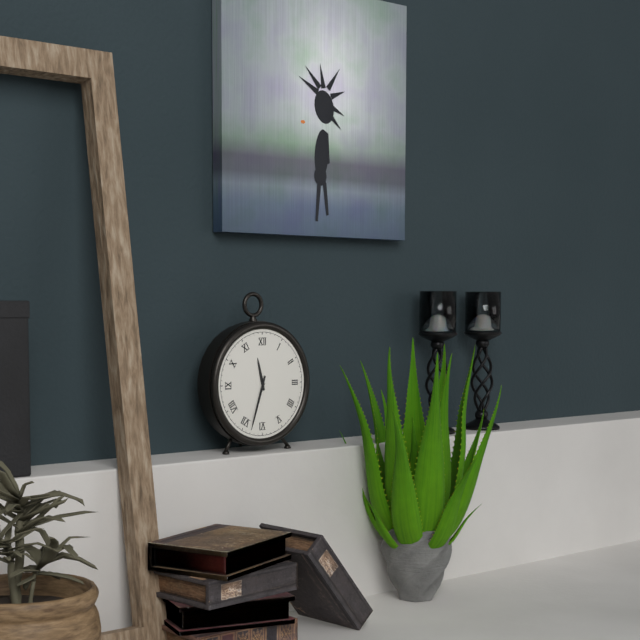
{"hour": 11, "minute": 33}
